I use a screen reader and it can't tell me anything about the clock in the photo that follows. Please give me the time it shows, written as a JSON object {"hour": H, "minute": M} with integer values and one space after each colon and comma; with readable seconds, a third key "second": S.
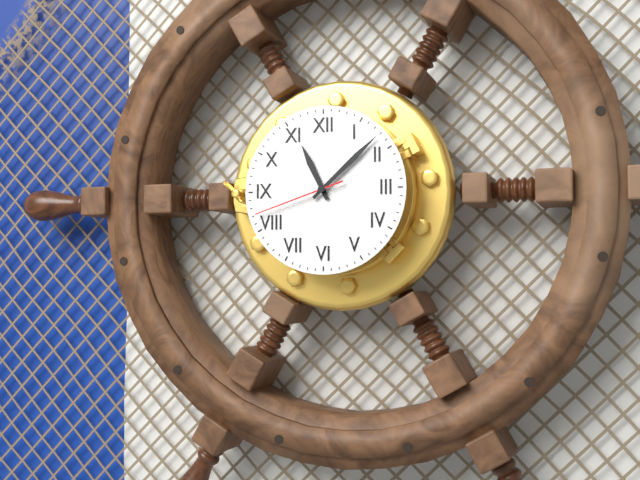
{"hour": 11, "minute": 8, "second": 42}
